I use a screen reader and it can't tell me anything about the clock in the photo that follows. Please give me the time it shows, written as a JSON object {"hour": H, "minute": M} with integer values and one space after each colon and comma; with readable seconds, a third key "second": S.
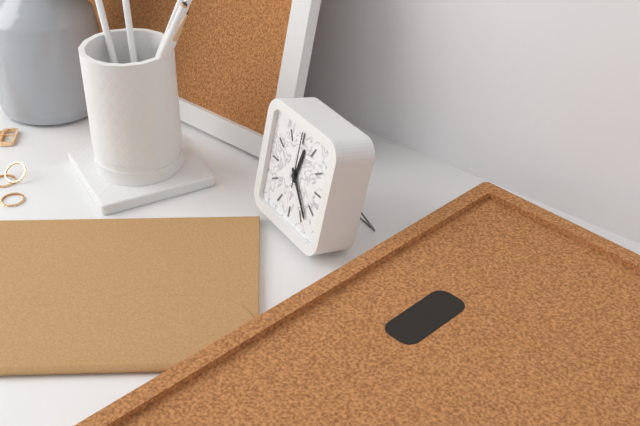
{"hour": 12, "minute": 23, "second": 0}
